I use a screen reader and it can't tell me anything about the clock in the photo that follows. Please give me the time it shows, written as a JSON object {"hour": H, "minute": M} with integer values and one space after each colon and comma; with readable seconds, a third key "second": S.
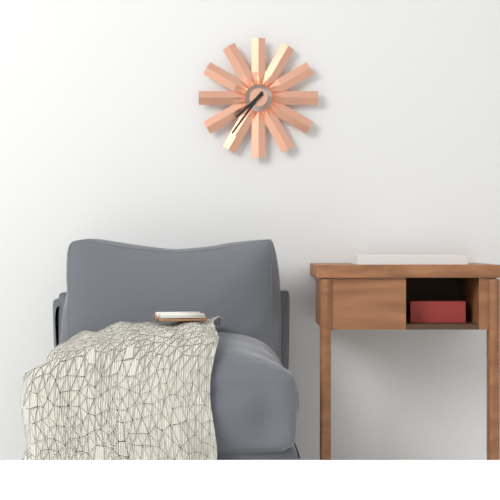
{"hour": 7, "minute": 36}
